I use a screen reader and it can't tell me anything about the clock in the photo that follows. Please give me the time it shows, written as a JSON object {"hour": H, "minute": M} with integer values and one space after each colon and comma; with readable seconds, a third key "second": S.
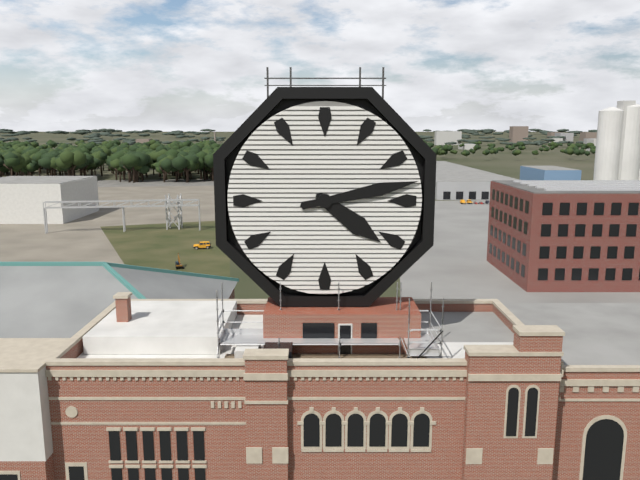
{"hour": 4, "minute": 13}
